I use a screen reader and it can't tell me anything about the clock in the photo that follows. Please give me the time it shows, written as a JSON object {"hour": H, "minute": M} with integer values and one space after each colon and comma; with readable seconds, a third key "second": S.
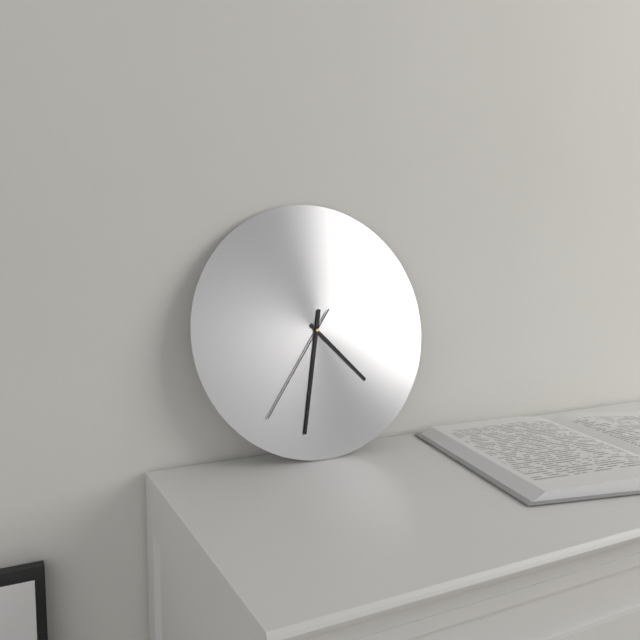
{"hour": 4, "minute": 32, "second": 36}
